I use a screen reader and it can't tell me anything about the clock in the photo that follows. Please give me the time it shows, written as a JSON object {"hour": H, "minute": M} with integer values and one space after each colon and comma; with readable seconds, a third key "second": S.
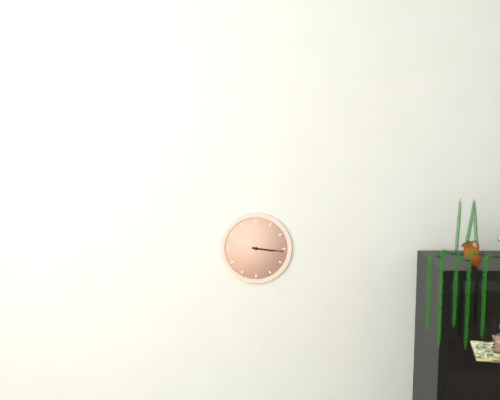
{"hour": 3, "minute": 16}
